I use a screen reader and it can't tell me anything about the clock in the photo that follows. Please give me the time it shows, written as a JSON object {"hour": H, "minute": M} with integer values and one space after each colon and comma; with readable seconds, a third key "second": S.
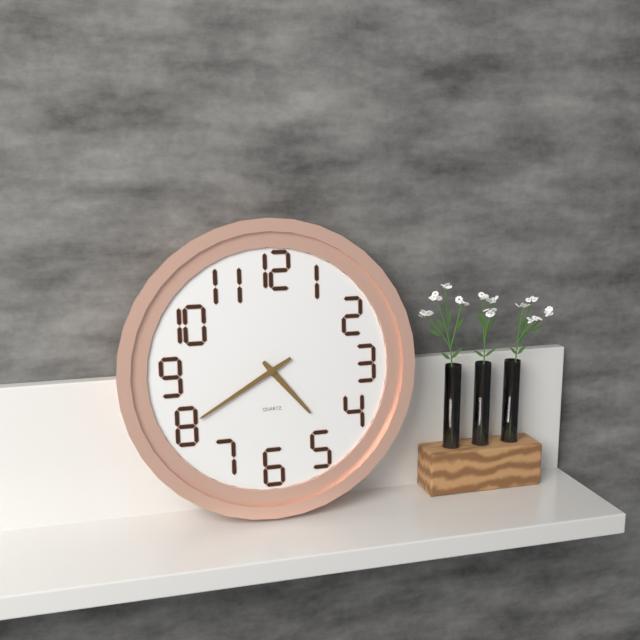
{"hour": 4, "minute": 40}
